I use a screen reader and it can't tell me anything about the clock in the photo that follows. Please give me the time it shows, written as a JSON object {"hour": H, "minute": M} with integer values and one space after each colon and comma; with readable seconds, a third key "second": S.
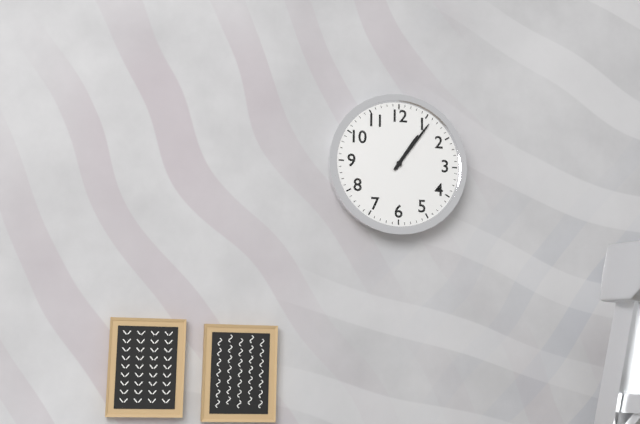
{"hour": 1, "minute": 6}
